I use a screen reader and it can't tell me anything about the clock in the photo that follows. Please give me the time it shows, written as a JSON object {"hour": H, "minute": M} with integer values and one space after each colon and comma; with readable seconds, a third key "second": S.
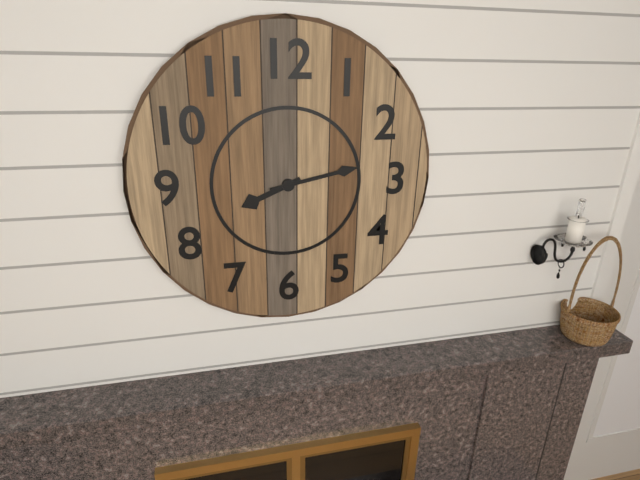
{"hour": 8, "minute": 13}
